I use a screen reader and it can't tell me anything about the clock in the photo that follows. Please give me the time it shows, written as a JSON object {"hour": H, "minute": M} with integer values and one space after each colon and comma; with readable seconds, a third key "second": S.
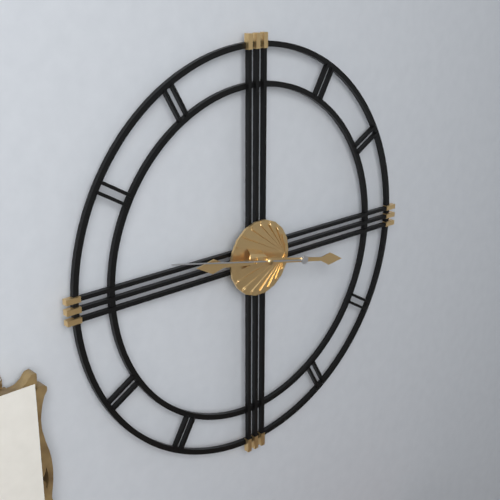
{"hour": 9, "minute": 17, "second": 47}
